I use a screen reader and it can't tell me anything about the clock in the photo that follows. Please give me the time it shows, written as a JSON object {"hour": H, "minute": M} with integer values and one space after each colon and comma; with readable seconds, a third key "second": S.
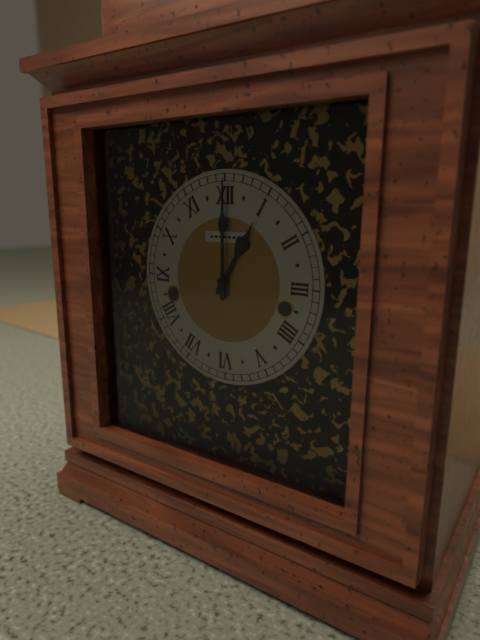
{"hour": 1, "minute": 0}
